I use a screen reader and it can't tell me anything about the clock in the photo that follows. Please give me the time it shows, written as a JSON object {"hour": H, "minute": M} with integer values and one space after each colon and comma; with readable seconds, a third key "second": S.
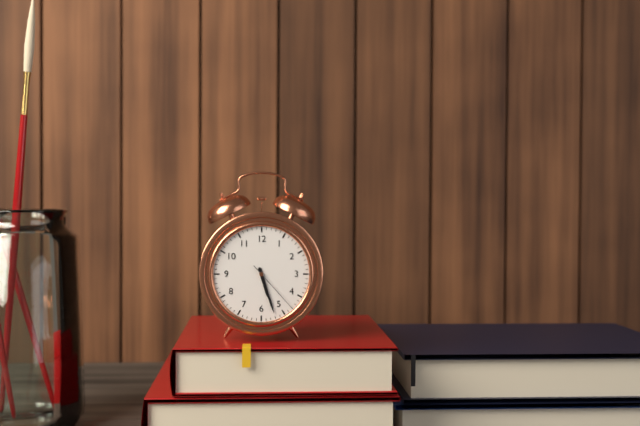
{"hour": 5, "minute": 27, "second": 23}
